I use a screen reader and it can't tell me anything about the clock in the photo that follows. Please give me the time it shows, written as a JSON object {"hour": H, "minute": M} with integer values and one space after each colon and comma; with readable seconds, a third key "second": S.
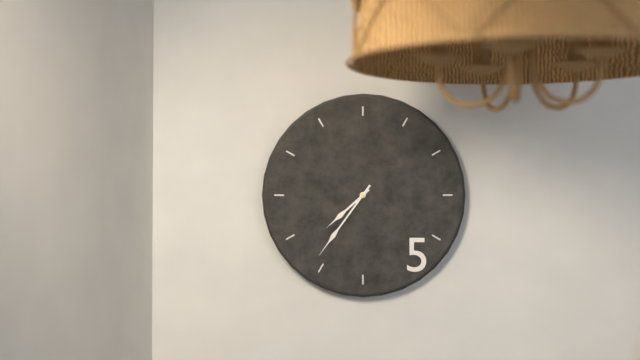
{"hour": 7, "minute": 36}
